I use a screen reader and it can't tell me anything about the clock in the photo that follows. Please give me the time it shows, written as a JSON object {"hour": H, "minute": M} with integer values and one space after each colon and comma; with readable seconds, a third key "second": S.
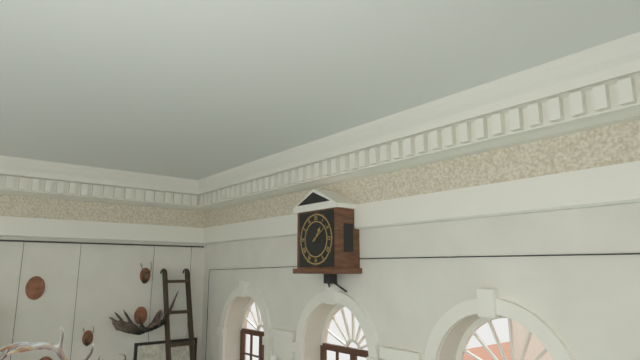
{"hour": 1, "minute": 9}
